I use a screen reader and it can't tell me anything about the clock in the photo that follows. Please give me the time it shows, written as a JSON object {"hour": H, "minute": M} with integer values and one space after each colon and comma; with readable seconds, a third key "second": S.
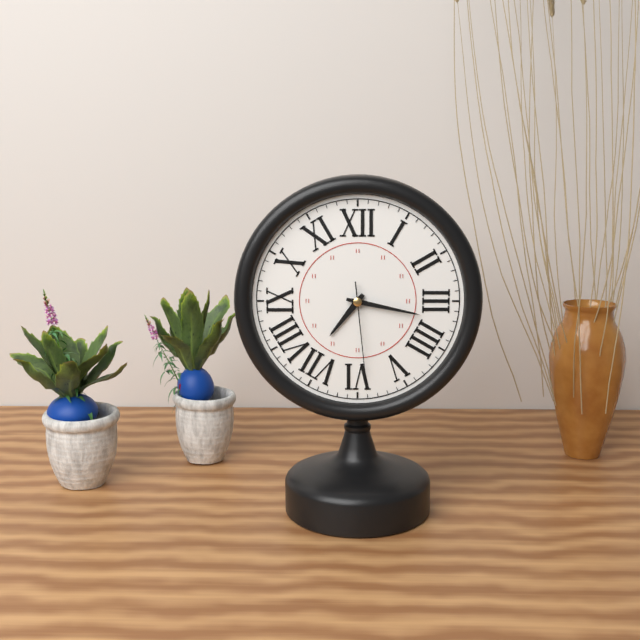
{"hour": 7, "minute": 17, "second": 29}
